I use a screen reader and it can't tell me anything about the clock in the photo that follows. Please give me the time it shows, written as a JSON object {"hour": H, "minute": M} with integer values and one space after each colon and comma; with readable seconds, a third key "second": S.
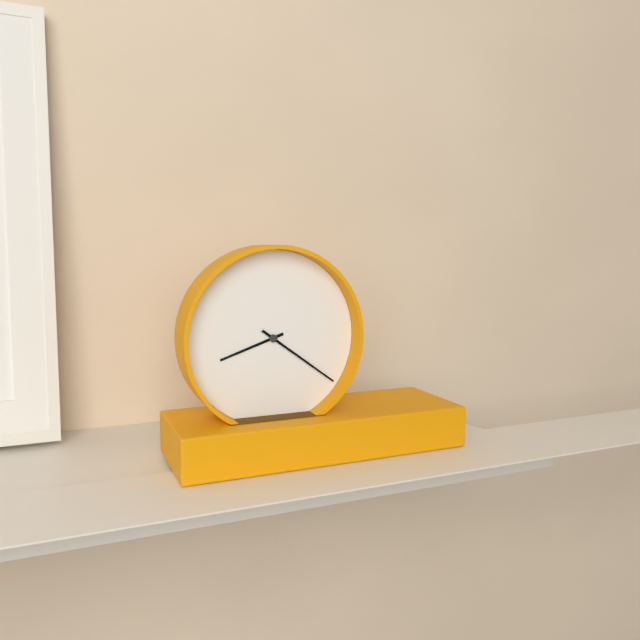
{"hour": 8, "minute": 21}
